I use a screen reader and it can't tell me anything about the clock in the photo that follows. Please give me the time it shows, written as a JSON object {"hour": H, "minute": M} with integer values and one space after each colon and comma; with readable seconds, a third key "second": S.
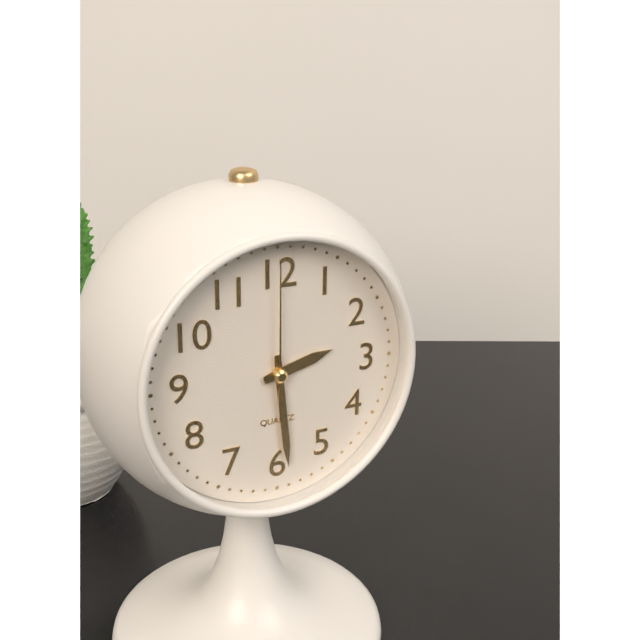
{"hour": 2, "minute": 29, "second": 0}
